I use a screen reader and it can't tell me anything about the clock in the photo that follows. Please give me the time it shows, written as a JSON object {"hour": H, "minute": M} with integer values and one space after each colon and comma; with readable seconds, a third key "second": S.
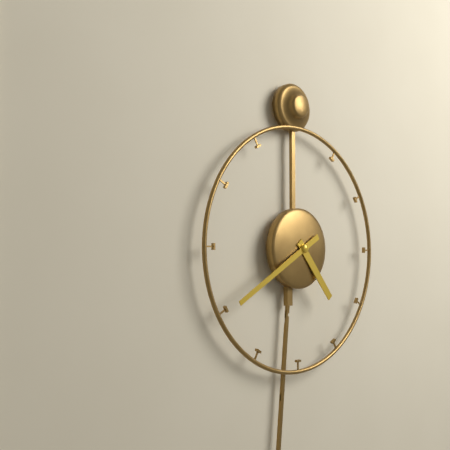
{"hour": 4, "minute": 40}
